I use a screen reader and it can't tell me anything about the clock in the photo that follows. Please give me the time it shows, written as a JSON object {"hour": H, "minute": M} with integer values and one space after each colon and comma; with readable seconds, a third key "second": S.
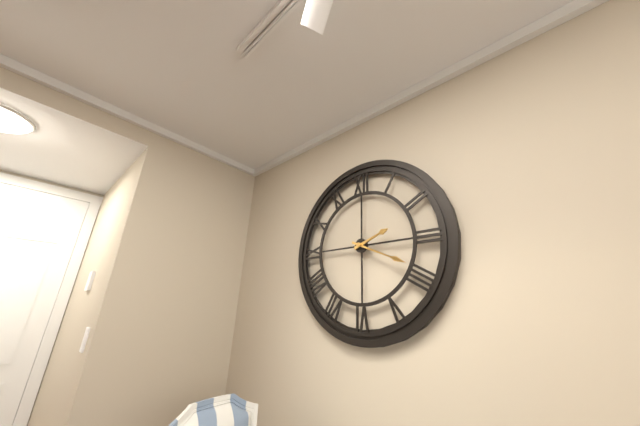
{"hour": 2, "minute": 19}
